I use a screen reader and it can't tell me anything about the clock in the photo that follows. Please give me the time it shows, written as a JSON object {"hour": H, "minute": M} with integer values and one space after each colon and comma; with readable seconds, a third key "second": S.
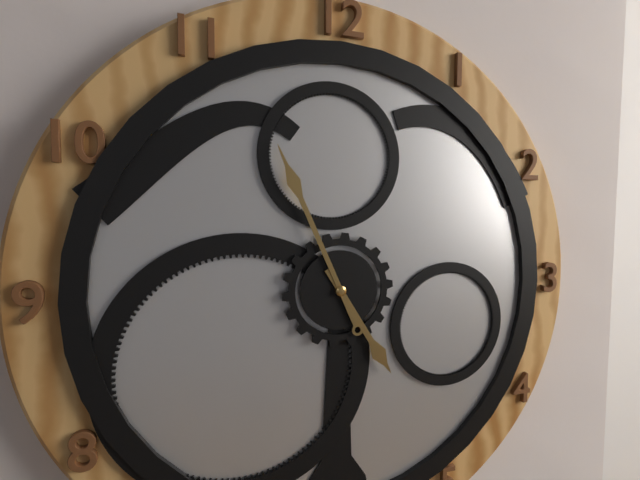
{"hour": 4, "minute": 56}
